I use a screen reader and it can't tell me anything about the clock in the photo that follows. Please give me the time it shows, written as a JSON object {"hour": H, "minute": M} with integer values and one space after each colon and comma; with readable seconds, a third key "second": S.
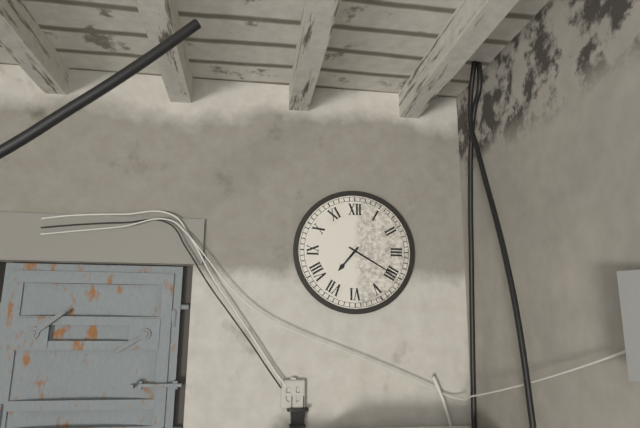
{"hour": 7, "minute": 20}
